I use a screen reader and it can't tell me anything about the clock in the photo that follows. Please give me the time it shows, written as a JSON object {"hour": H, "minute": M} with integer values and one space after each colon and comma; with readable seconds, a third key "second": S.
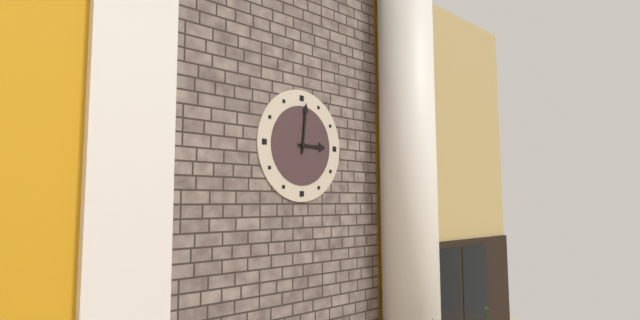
{"hour": 3, "minute": 1}
